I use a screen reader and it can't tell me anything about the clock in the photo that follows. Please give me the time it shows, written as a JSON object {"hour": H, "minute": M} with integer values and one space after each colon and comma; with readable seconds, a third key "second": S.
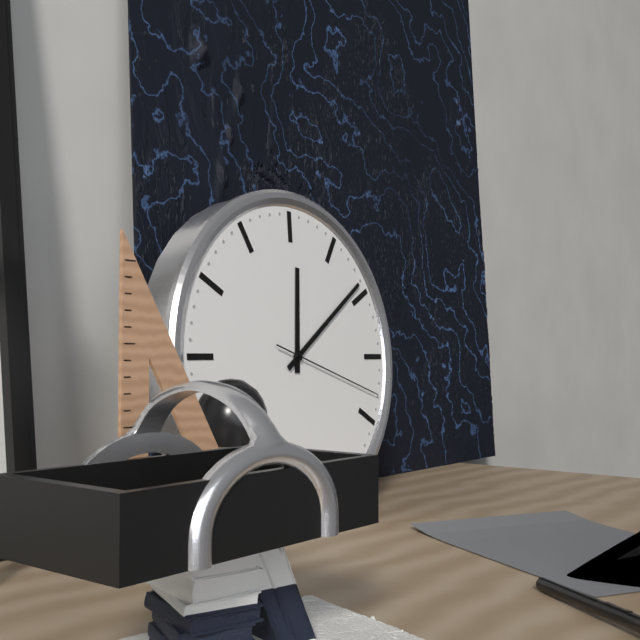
{"hour": 12, "minute": 9, "second": 18}
